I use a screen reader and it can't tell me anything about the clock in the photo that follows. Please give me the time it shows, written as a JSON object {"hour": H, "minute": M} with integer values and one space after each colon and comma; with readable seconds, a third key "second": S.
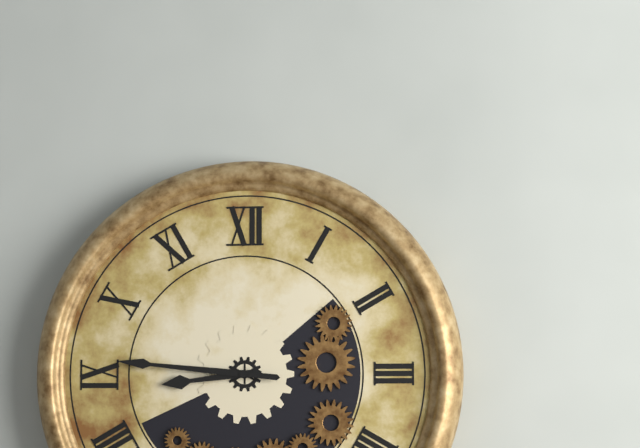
{"hour": 8, "minute": 46}
